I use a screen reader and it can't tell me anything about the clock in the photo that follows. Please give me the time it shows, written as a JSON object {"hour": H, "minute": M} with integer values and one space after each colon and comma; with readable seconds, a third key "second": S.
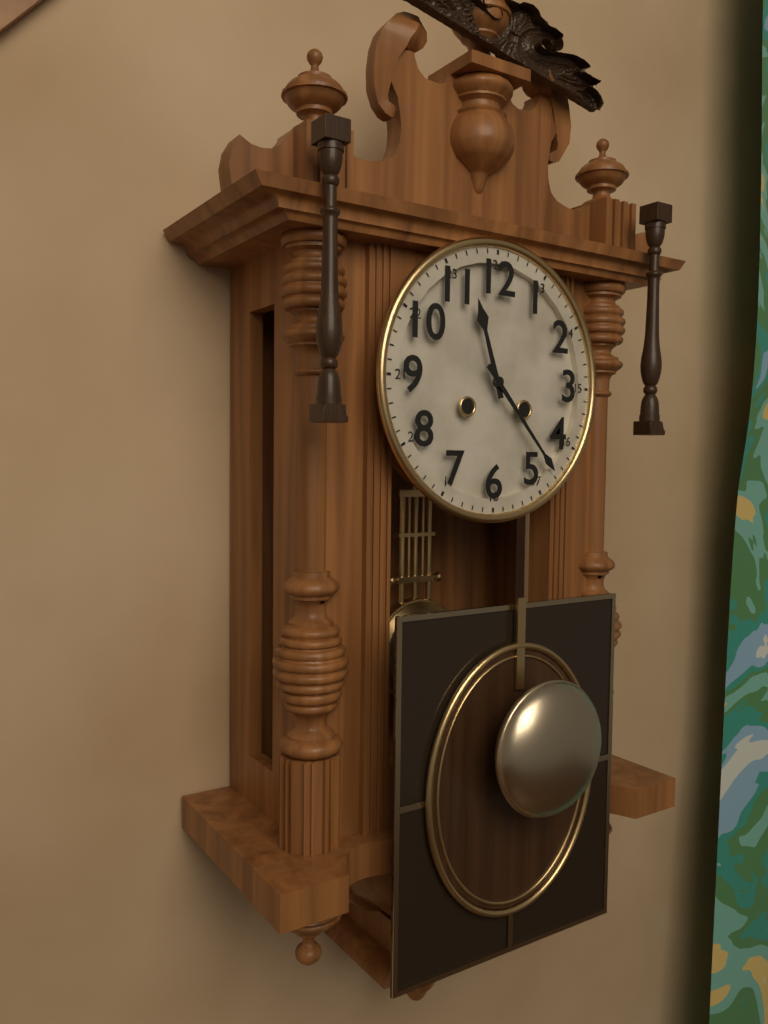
{"hour": 11, "minute": 23}
